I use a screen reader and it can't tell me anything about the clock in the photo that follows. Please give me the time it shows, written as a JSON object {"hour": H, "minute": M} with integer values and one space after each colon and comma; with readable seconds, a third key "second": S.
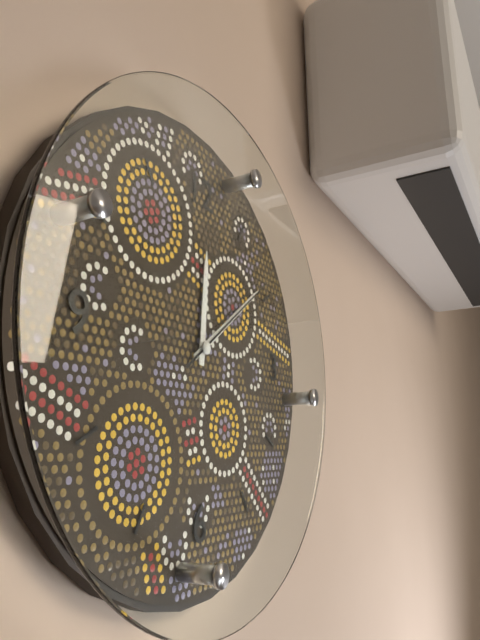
{"hour": 12, "minute": 9, "second": 9}
